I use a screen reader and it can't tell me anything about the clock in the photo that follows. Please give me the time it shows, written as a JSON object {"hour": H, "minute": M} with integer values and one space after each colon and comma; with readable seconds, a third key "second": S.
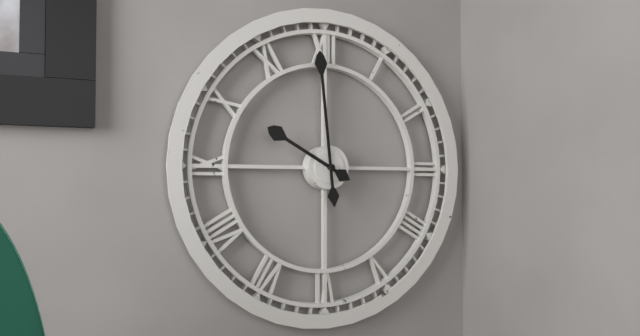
{"hour": 9, "minute": 59}
